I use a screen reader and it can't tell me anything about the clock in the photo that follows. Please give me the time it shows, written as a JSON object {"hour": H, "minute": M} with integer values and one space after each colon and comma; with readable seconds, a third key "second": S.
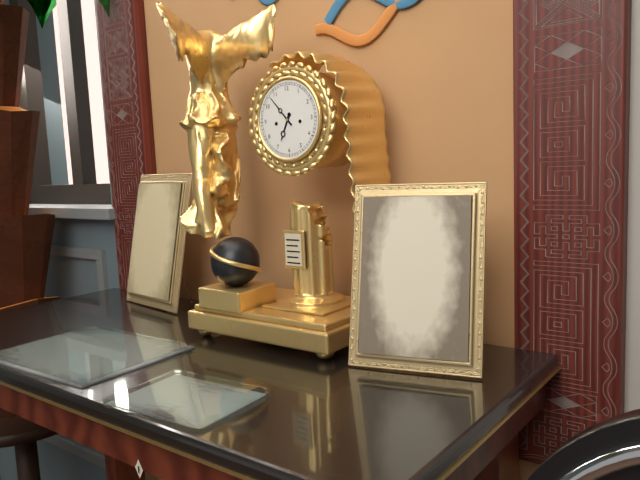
{"hour": 6, "minute": 53}
